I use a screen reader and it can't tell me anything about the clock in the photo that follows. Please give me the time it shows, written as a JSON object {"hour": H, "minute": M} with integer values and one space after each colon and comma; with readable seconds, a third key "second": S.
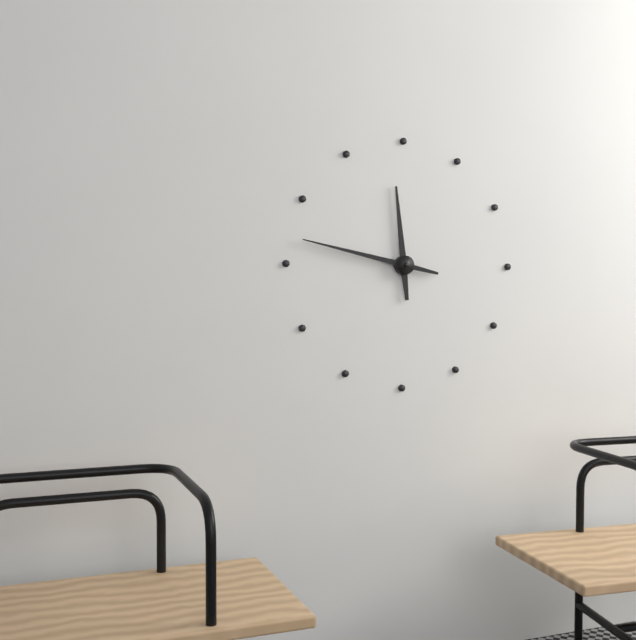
{"hour": 11, "minute": 47}
